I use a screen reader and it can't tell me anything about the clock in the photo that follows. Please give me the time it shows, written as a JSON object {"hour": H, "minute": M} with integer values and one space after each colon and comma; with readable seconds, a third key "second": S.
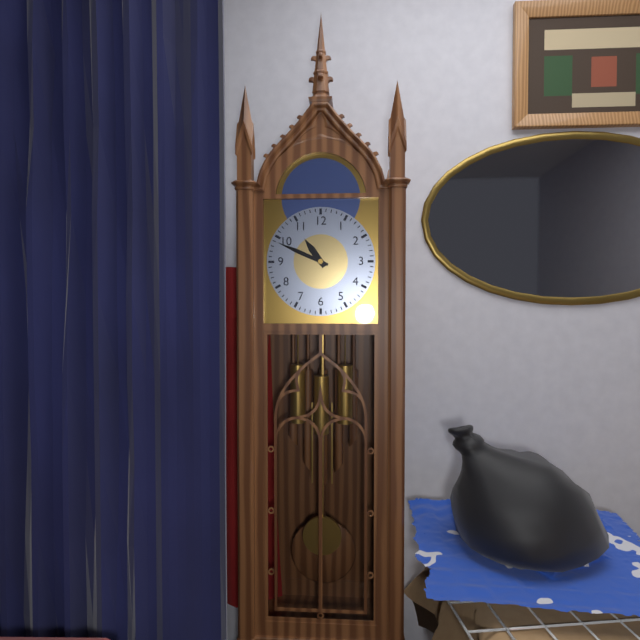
{"hour": 10, "minute": 49}
